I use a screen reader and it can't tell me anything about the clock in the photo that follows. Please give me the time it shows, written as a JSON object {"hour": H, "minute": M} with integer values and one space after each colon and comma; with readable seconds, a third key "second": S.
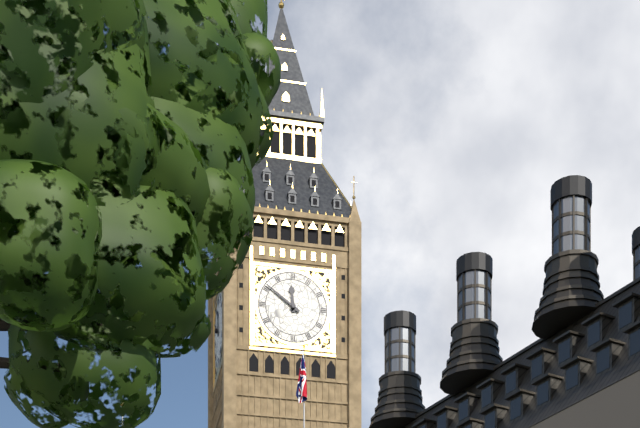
{"hour": 11, "minute": 51}
